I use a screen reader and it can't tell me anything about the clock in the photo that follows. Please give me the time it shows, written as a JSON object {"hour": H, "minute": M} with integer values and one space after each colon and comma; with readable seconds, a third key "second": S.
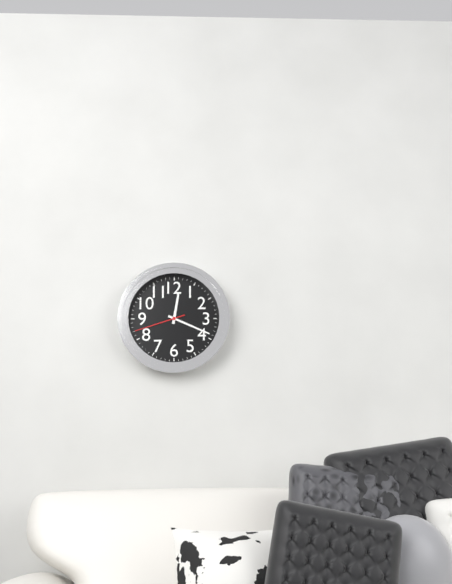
{"hour": 12, "minute": 19, "second": 42}
